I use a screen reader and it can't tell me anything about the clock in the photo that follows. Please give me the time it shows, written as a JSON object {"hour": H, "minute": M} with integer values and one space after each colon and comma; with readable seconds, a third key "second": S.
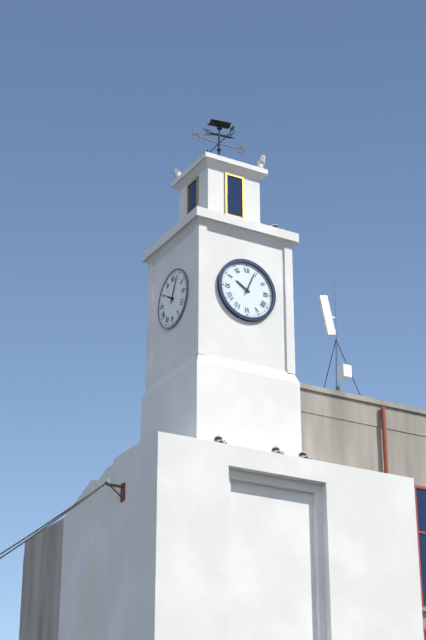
{"hour": 10, "minute": 4}
